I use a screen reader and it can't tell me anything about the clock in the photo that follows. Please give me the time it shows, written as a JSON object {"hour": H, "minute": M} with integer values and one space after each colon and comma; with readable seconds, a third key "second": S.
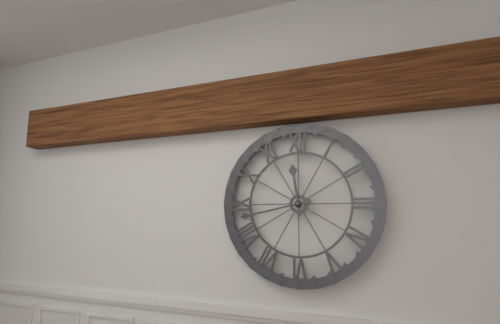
{"hour": 11, "minute": 43}
